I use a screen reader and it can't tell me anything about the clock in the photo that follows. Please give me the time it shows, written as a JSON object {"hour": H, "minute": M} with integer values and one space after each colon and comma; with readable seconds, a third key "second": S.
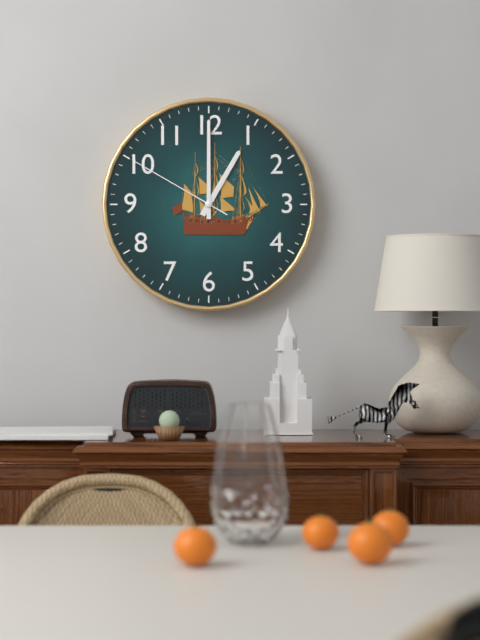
{"hour": 1, "minute": 0, "second": 50}
